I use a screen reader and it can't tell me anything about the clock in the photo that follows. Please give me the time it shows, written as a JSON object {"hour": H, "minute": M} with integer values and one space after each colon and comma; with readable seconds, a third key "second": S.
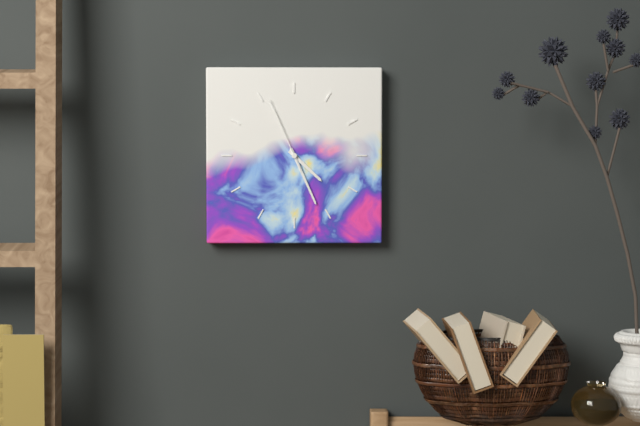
{"hour": 4, "minute": 26, "second": 56}
